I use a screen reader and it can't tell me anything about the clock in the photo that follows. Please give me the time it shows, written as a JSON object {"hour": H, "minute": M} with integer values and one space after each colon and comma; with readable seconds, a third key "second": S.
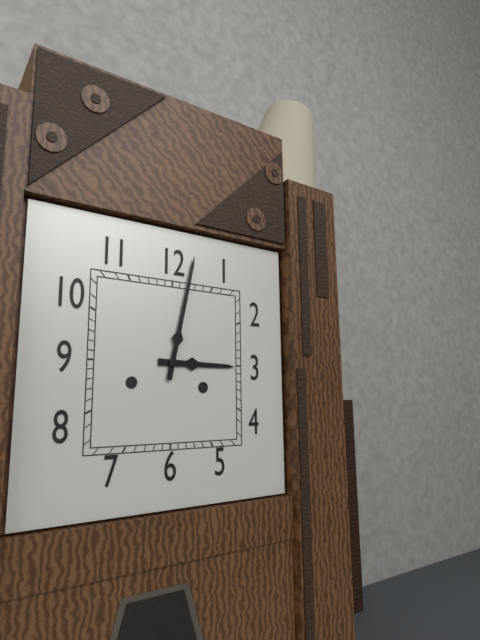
{"hour": 3, "minute": 2}
